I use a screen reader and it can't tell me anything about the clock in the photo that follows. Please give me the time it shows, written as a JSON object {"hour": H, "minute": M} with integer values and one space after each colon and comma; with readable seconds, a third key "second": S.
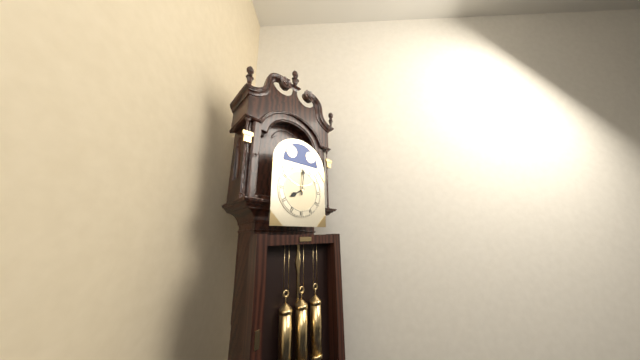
{"hour": 8, "minute": 1}
